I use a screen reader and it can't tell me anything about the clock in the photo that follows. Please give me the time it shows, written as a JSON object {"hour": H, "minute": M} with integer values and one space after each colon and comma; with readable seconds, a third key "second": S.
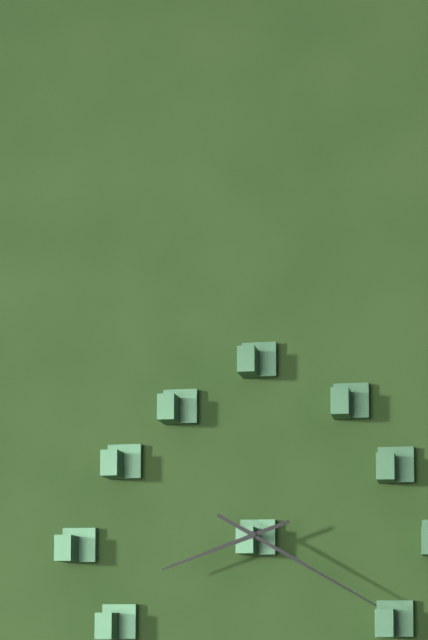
{"hour": 8, "minute": 20}
